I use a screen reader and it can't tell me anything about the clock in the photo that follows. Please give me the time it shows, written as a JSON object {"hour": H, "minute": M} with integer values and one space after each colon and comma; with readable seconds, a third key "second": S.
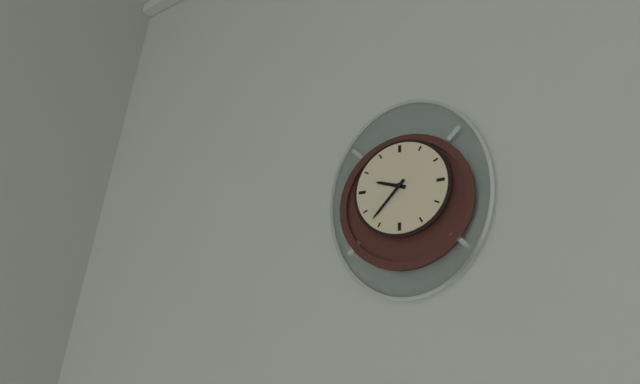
{"hour": 9, "minute": 37}
